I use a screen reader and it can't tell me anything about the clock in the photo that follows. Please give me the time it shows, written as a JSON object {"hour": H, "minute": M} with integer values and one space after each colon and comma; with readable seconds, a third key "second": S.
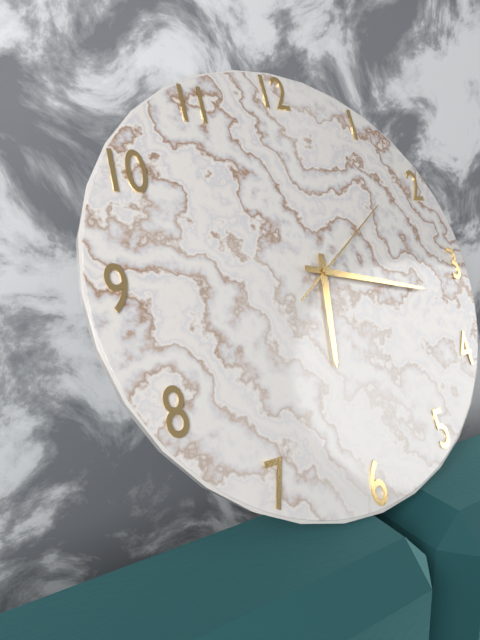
{"hour": 6, "minute": 17, "second": 9}
